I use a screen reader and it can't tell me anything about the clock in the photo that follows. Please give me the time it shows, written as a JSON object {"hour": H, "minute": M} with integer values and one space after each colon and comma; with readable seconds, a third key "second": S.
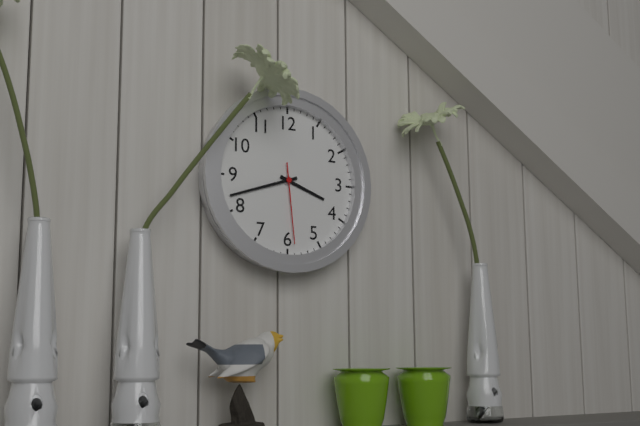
{"hour": 3, "minute": 42, "second": 29}
